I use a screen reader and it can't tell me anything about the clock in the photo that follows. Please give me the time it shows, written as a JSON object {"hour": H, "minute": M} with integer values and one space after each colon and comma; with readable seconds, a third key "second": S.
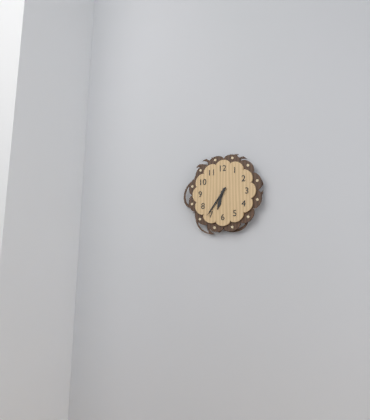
{"hour": 6, "minute": 36}
